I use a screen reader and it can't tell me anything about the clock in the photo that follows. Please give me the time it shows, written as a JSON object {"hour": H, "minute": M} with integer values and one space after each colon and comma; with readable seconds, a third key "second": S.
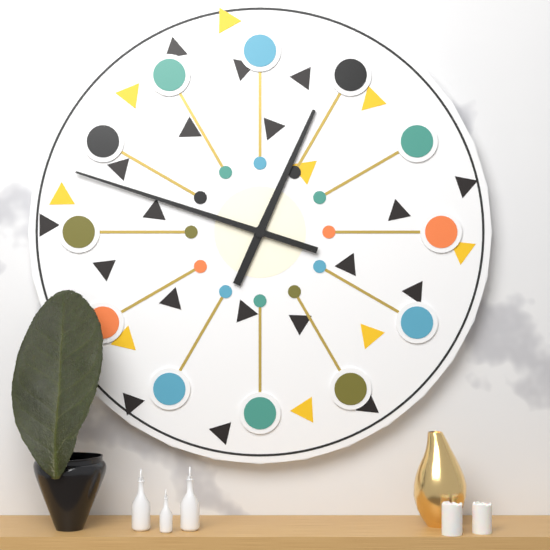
{"hour": 12, "minute": 48}
